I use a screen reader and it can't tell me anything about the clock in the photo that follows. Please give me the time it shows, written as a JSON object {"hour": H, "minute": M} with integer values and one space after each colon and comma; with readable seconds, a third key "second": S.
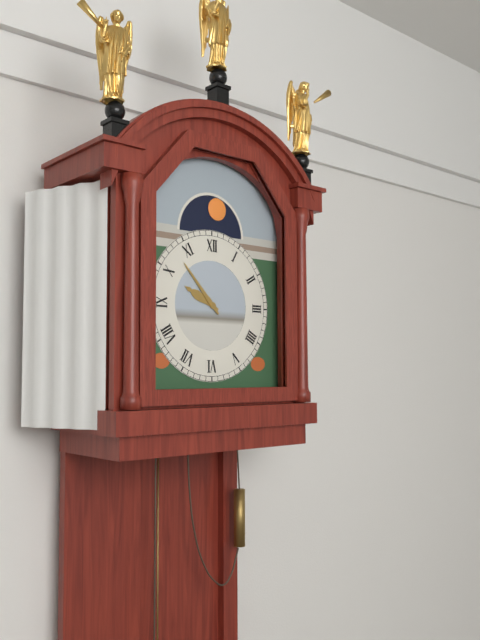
{"hour": 9, "minute": 53}
